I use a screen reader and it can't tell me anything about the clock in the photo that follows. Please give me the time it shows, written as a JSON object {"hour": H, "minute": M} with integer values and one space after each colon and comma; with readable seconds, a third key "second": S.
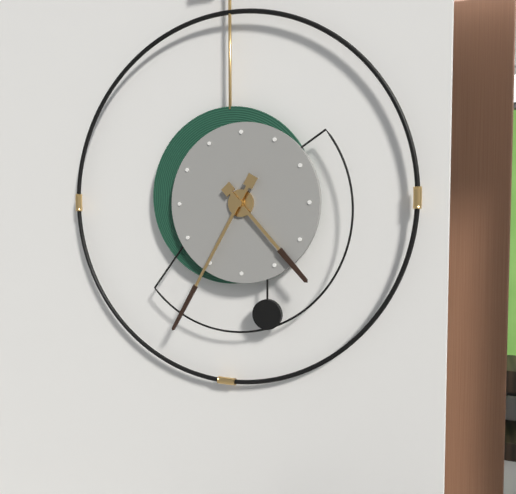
{"hour": 4, "minute": 35}
